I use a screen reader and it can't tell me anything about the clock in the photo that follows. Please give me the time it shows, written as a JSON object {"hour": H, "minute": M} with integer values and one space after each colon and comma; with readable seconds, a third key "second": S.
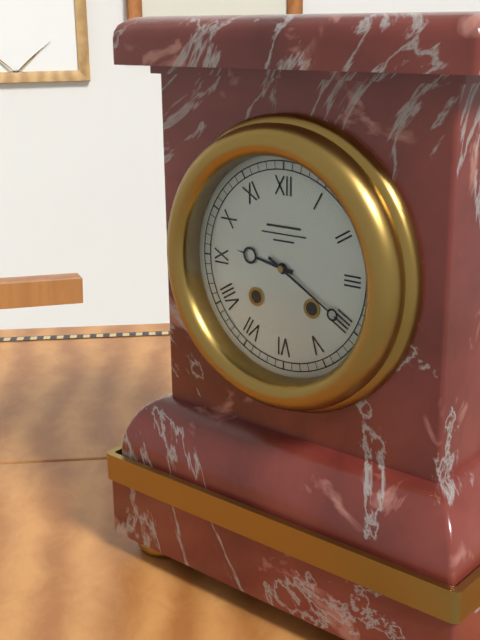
{"hour": 9, "minute": 20}
